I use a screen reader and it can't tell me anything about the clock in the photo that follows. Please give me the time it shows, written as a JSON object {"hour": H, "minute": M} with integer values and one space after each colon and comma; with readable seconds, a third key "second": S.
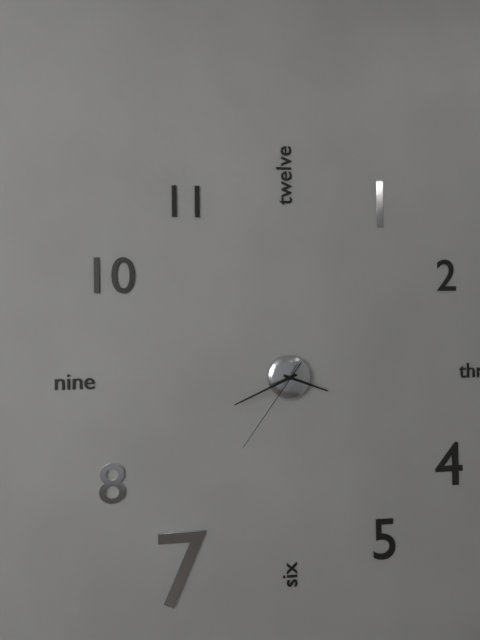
{"hour": 3, "minute": 41, "second": 36}
